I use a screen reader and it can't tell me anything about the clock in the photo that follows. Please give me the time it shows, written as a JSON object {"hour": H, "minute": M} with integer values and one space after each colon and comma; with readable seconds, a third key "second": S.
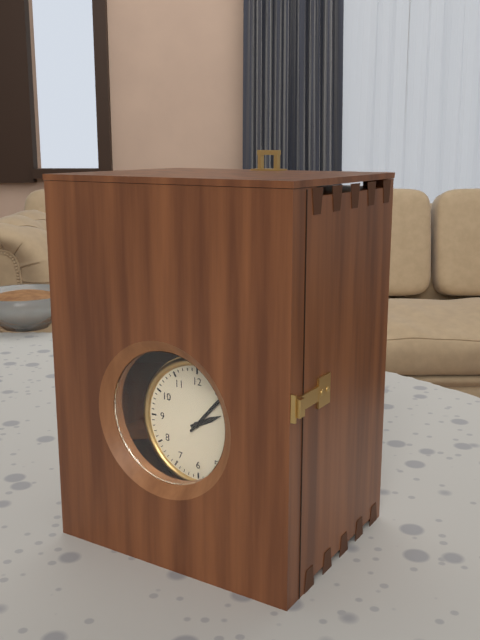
{"hour": 2, "minute": 7}
